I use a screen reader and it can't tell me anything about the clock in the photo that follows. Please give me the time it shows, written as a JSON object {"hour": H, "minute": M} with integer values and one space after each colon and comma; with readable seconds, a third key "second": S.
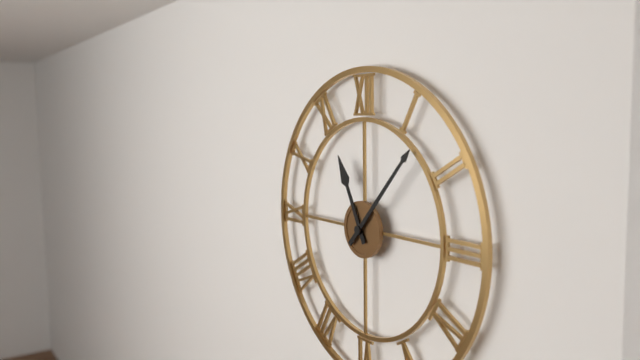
{"hour": 11, "minute": 7}
